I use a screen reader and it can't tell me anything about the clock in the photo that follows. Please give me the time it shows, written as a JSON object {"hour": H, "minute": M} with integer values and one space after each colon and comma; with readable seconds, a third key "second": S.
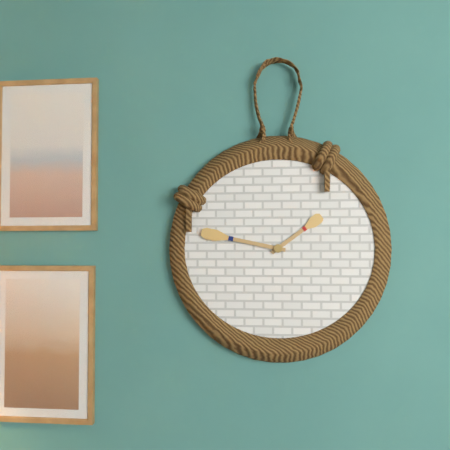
{"hour": 1, "minute": 47}
